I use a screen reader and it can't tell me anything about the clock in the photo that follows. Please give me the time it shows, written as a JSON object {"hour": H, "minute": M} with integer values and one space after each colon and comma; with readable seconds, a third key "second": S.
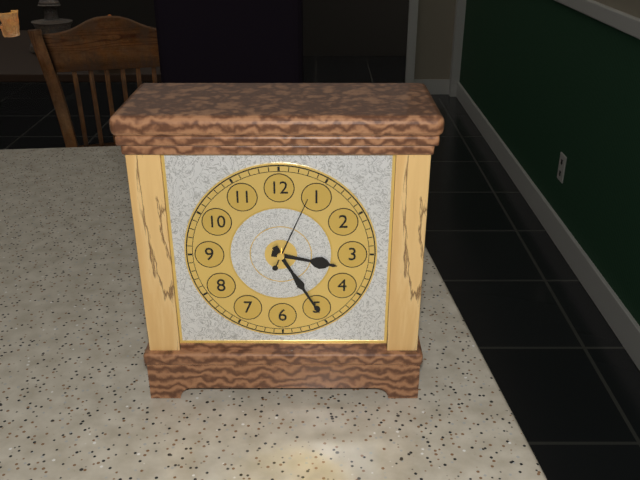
{"hour": 3, "minute": 25, "second": 4}
